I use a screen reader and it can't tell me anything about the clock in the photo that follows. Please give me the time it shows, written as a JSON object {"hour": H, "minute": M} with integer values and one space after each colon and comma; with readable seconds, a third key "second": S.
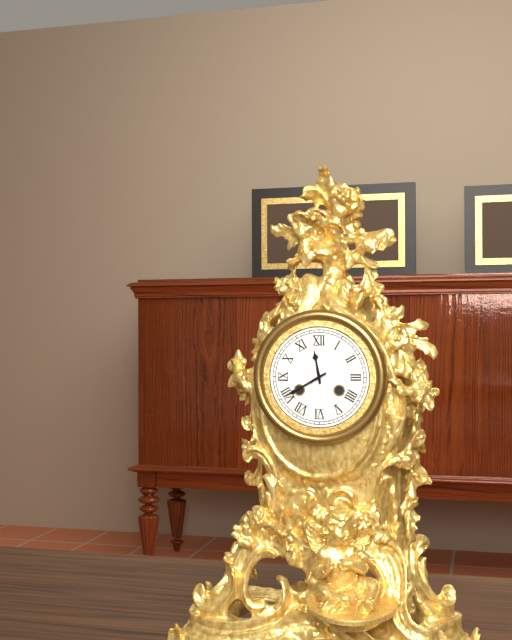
{"hour": 11, "minute": 40}
